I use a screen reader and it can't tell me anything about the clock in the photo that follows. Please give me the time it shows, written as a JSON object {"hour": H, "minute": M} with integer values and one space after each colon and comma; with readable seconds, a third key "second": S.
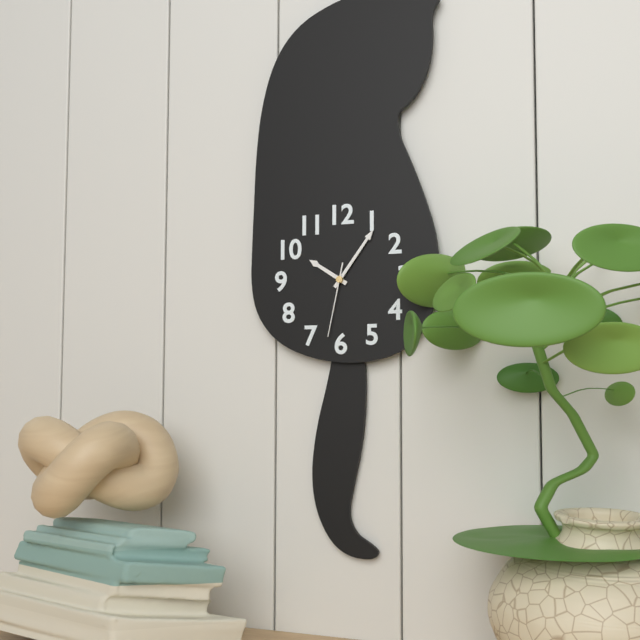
{"hour": 10, "minute": 6, "second": 32}
